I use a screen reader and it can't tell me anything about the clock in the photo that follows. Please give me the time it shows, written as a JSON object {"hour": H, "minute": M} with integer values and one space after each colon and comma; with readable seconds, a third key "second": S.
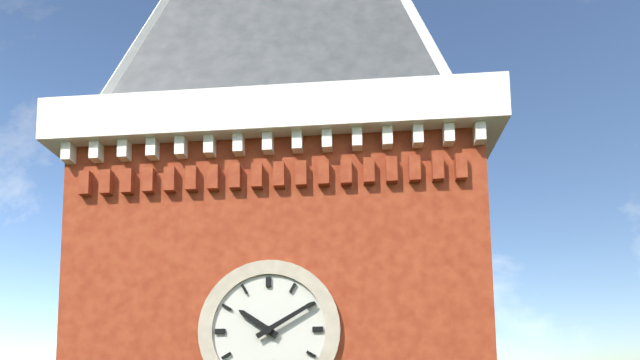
{"hour": 10, "minute": 10}
